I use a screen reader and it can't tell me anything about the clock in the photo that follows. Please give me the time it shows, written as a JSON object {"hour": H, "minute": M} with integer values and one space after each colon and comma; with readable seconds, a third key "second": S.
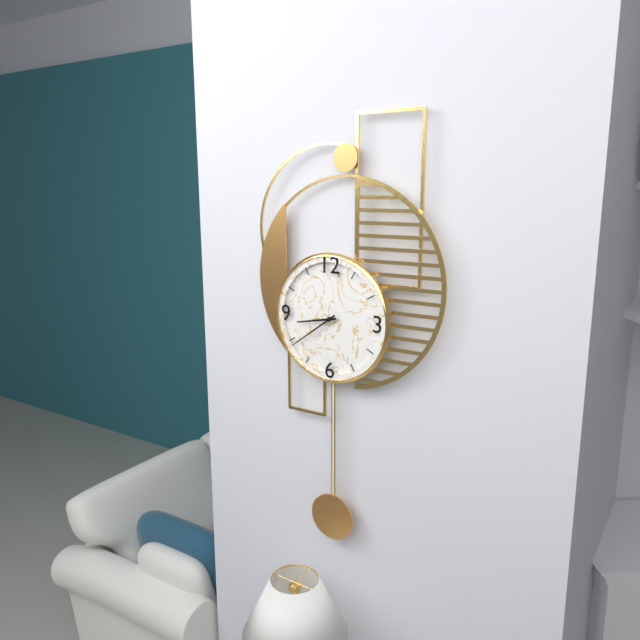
{"hour": 8, "minute": 39}
